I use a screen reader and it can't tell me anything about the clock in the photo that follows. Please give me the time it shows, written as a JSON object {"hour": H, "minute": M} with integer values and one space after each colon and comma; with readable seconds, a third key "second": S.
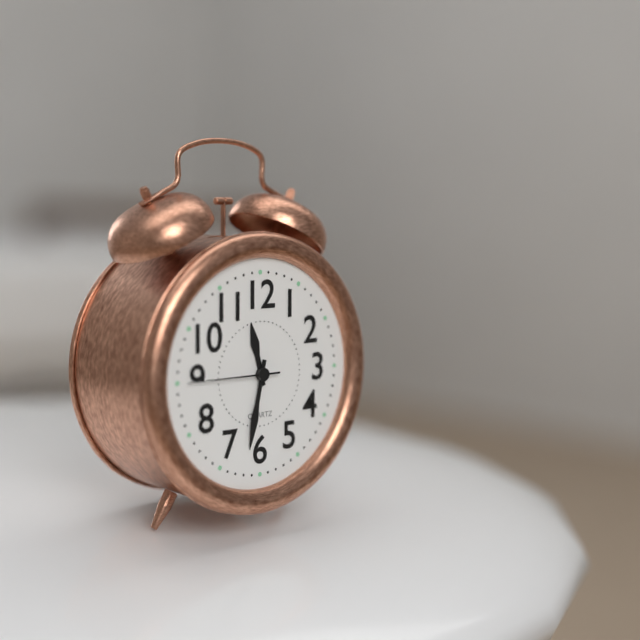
{"hour": 11, "minute": 32, "second": 45}
